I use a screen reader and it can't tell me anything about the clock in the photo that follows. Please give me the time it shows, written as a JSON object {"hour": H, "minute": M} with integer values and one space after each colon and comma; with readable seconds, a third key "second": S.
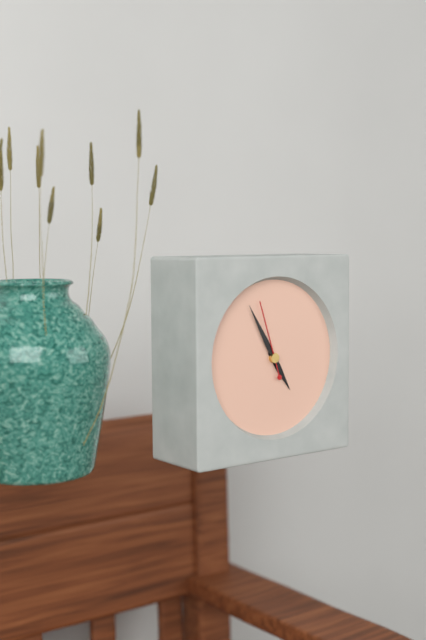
{"hour": 4, "minute": 55, "second": 57}
